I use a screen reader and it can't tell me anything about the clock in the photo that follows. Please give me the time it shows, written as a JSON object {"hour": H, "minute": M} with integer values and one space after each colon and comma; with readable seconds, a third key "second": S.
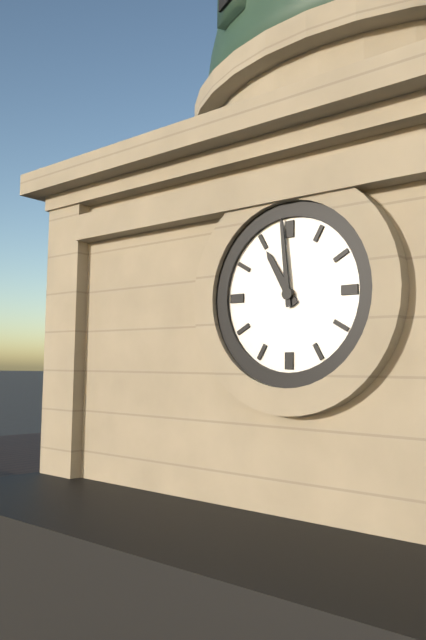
{"hour": 10, "minute": 59}
